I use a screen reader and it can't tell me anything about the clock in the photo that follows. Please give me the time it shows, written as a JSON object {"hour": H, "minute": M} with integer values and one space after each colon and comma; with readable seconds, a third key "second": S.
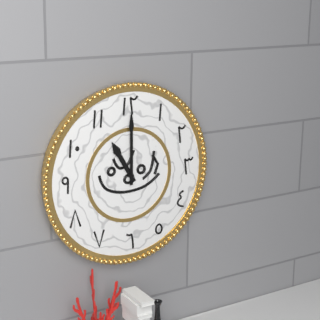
{"hour": 11, "minute": 0}
